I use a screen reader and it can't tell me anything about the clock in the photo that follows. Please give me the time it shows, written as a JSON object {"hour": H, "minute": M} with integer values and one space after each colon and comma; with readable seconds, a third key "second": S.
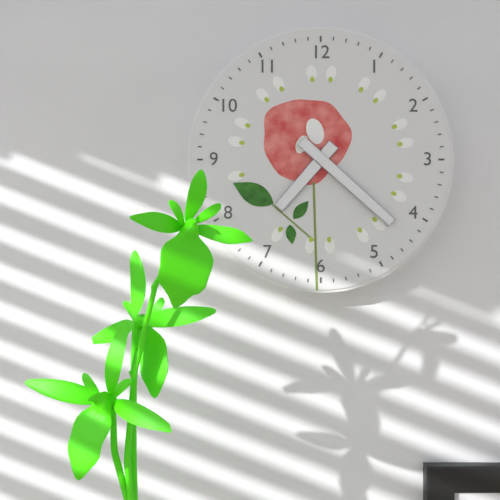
{"hour": 7, "minute": 22}
